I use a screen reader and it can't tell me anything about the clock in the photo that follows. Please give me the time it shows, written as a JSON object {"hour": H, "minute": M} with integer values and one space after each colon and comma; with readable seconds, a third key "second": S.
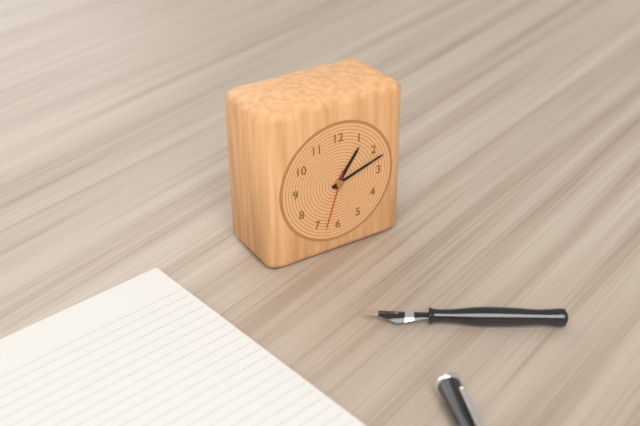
{"hour": 1, "minute": 12, "second": 33}
